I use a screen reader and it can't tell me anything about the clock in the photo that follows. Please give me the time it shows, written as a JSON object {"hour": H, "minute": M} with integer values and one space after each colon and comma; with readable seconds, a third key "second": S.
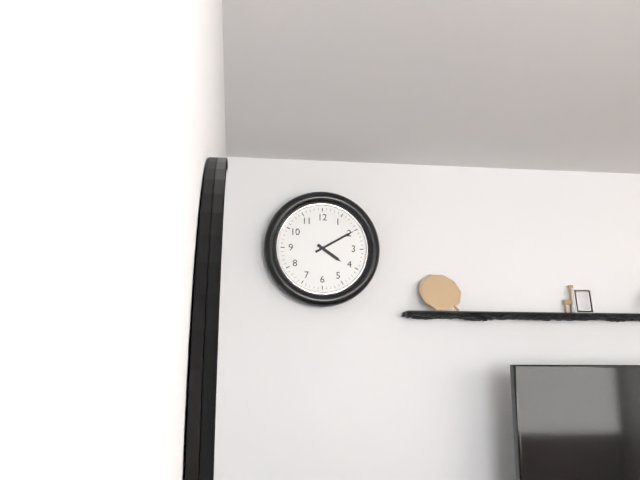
{"hour": 4, "minute": 10}
